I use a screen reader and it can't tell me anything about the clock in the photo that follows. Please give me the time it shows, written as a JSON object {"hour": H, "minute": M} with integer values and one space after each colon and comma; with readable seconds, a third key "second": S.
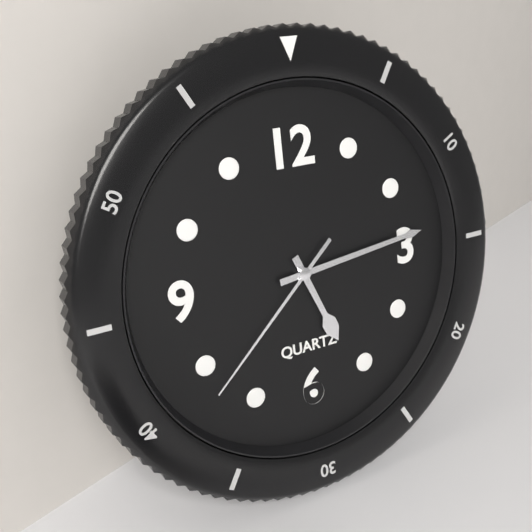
{"hour": 5, "minute": 14, "second": 38}
